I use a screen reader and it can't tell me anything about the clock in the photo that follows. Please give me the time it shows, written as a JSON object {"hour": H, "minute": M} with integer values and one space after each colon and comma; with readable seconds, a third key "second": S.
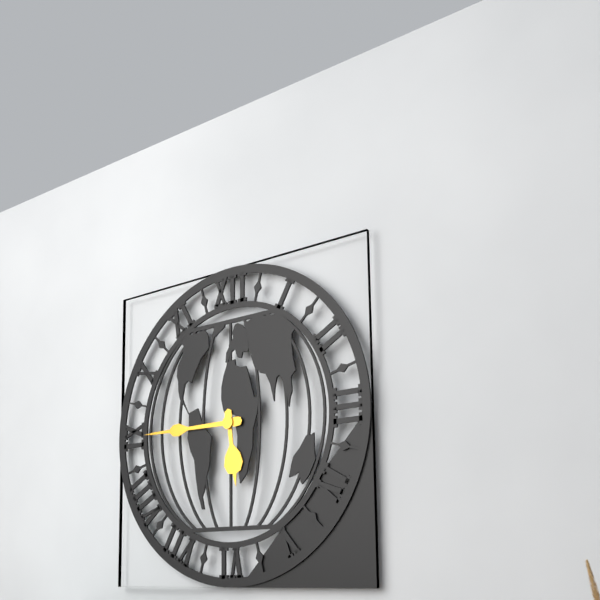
{"hour": 5, "minute": 45}
